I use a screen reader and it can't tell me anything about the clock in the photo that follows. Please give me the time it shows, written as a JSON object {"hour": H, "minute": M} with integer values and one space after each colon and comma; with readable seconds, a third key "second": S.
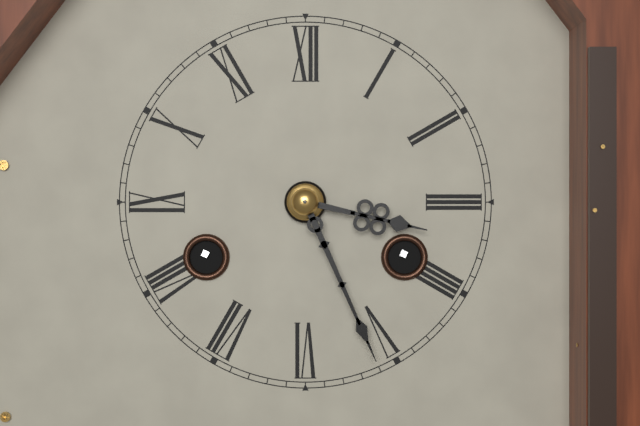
{"hour": 3, "minute": 26}
